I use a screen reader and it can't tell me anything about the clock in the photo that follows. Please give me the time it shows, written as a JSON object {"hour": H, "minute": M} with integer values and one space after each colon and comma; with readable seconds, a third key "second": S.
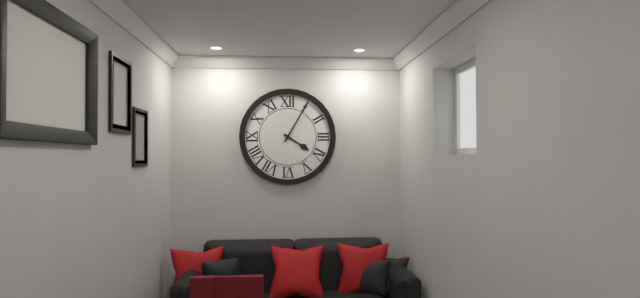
{"hour": 4, "minute": 5}
